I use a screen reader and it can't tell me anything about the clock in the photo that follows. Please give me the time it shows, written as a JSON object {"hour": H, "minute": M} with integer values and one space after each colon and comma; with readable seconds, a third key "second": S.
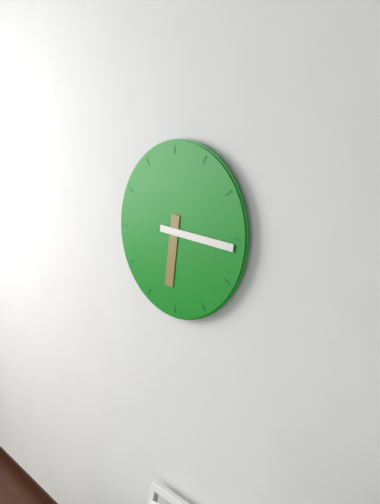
{"hour": 6, "minute": 16}
